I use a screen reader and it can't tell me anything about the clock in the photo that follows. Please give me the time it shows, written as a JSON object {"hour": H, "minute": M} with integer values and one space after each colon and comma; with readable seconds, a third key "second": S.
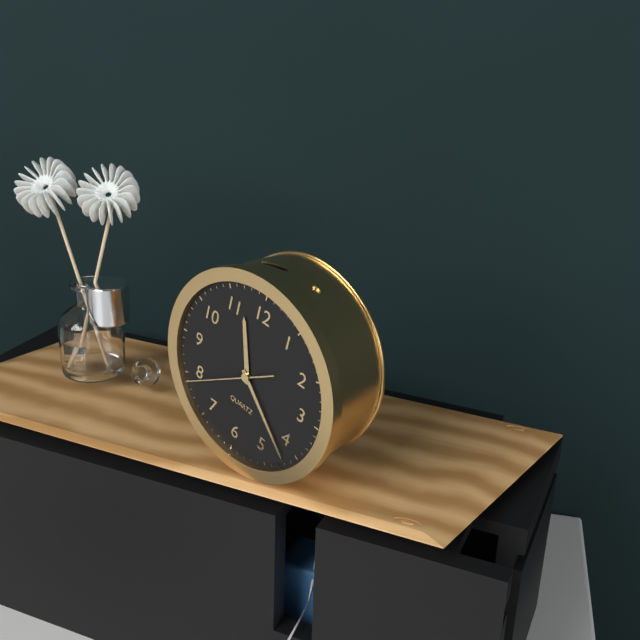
{"hour": 11, "minute": 22, "second": 39}
